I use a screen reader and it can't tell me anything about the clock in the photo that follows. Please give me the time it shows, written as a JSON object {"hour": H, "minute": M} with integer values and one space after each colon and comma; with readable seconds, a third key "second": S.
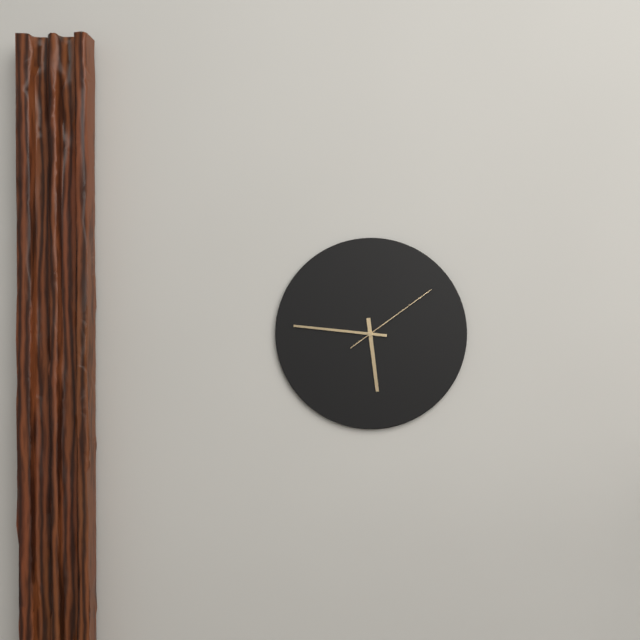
{"hour": 5, "minute": 46, "second": 9}
